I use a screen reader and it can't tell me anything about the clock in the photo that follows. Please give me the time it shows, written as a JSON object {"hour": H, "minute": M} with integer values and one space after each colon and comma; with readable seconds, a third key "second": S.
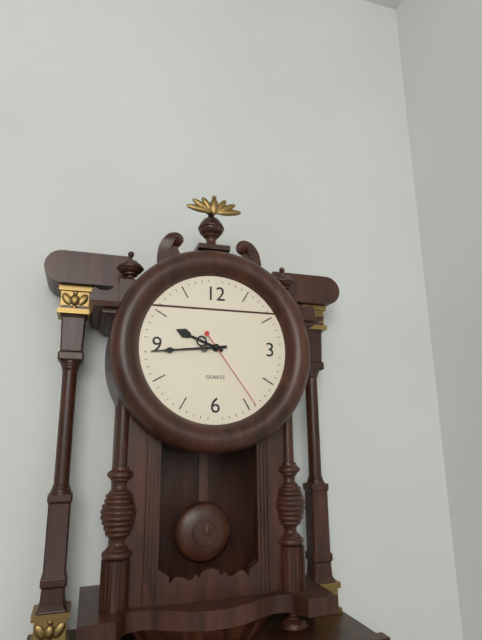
{"hour": 9, "minute": 44, "second": 24}
